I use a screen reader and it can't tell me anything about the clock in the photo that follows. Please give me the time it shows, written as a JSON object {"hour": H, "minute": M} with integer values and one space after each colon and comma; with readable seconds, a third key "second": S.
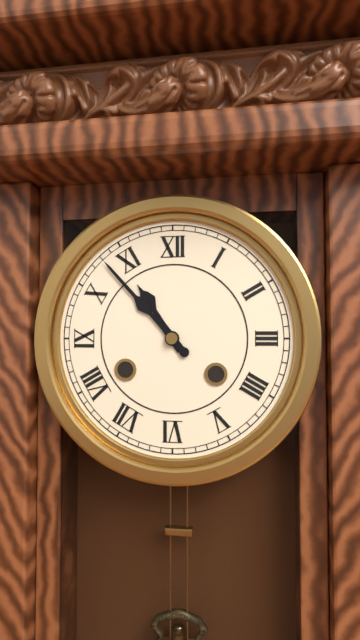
{"hour": 10, "minute": 53}
